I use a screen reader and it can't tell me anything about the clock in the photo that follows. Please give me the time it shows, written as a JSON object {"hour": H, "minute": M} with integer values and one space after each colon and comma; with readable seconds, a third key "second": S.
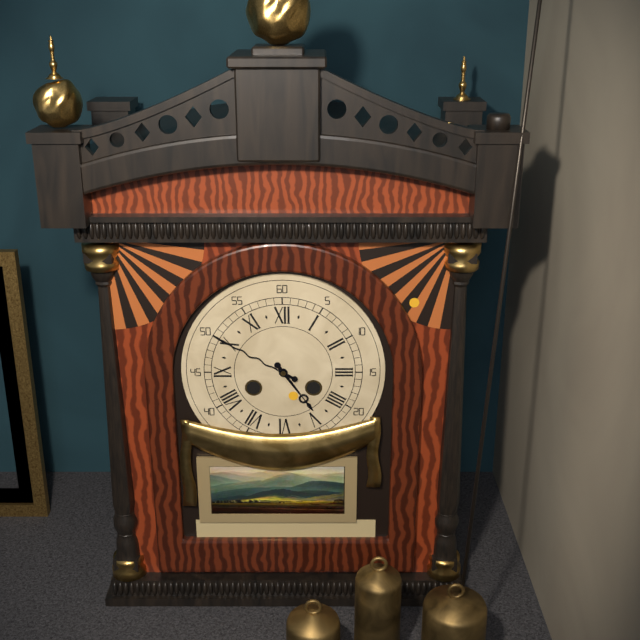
{"hour": 4, "minute": 50}
